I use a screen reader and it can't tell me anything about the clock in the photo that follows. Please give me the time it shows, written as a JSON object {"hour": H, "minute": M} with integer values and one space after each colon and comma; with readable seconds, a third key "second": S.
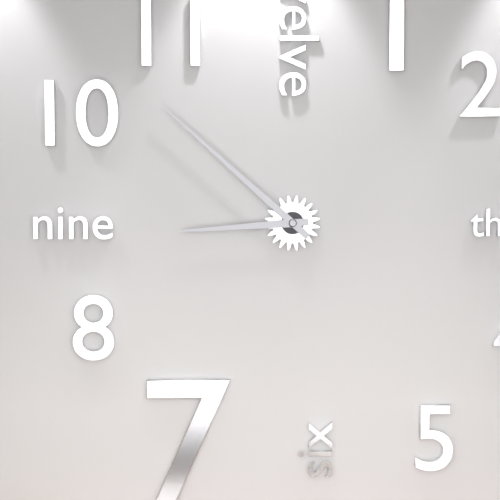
{"hour": 8, "minute": 52}
